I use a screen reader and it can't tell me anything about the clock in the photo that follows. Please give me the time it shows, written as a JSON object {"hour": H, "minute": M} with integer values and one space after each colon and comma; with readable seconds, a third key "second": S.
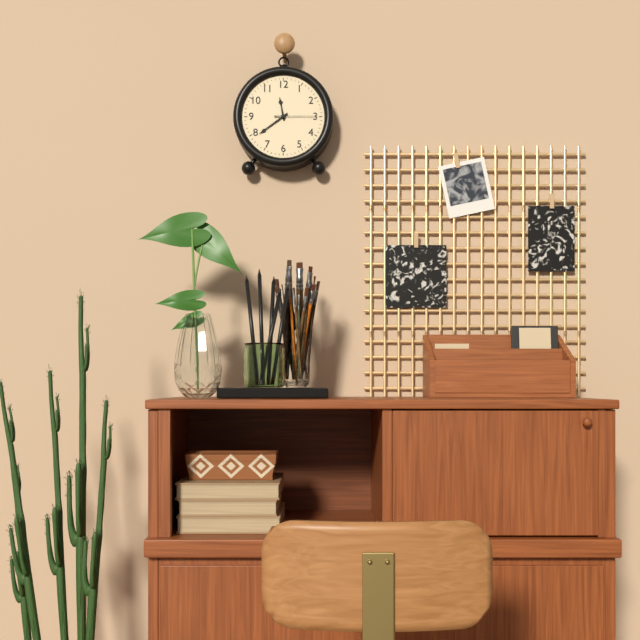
{"hour": 11, "minute": 39}
